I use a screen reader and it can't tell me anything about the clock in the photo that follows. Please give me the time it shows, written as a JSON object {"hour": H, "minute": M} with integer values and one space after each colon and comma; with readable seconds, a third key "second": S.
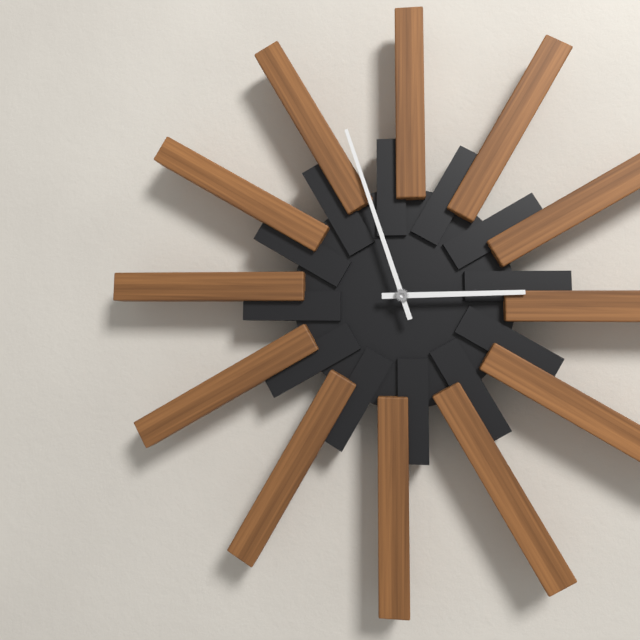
{"hour": 2, "minute": 57}
